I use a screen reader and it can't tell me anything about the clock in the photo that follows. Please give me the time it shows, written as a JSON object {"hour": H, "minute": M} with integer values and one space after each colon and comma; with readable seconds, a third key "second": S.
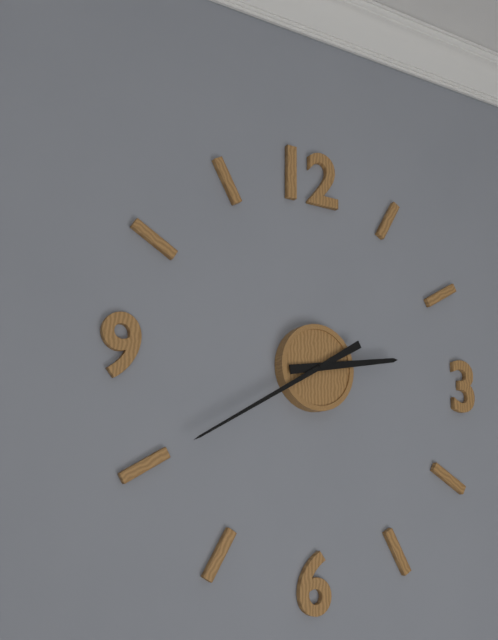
{"hour": 2, "minute": 40}
